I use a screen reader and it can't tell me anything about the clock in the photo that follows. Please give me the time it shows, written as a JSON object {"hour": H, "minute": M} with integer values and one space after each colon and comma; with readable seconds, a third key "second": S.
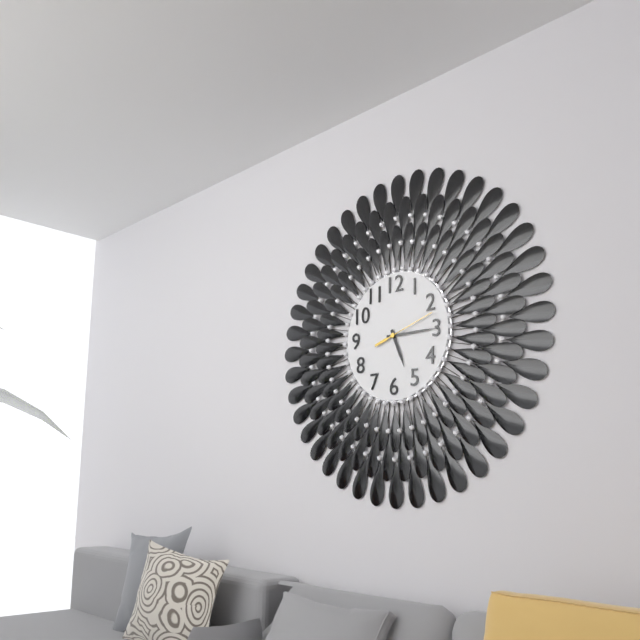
{"hour": 5, "minute": 15, "second": 12}
